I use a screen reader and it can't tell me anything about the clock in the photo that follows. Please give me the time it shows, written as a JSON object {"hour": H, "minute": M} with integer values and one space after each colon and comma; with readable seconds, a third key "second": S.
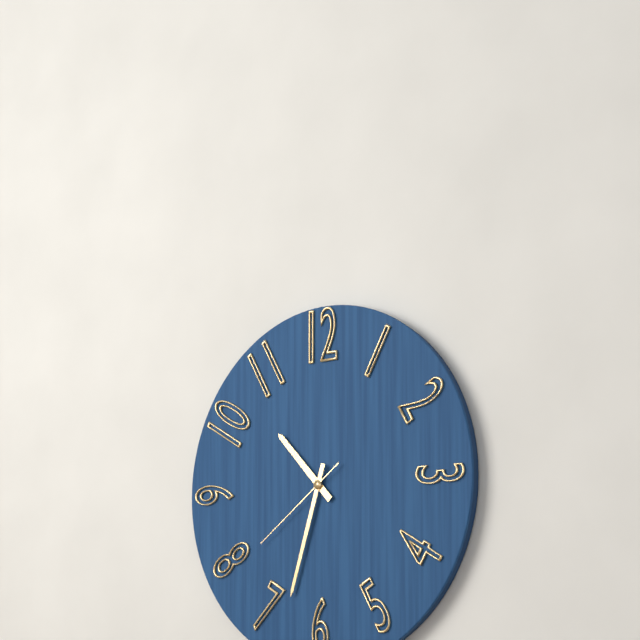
{"hour": 10, "minute": 33, "second": 39}
